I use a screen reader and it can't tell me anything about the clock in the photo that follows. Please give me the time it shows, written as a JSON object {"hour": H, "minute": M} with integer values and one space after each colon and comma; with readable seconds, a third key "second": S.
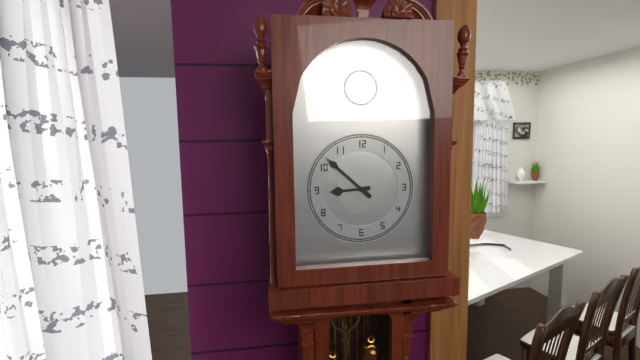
{"hour": 8, "minute": 52}
